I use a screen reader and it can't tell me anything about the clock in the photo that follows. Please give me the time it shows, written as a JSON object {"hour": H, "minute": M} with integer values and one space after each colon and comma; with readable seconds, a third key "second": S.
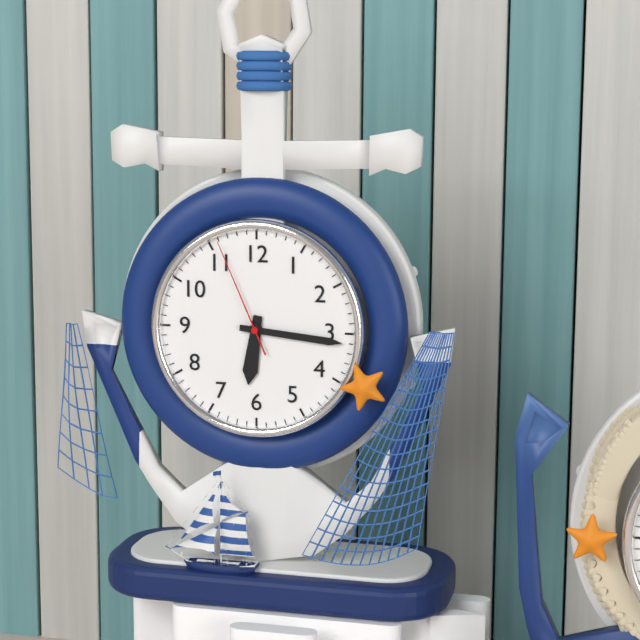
{"hour": 6, "minute": 16, "second": 56}
